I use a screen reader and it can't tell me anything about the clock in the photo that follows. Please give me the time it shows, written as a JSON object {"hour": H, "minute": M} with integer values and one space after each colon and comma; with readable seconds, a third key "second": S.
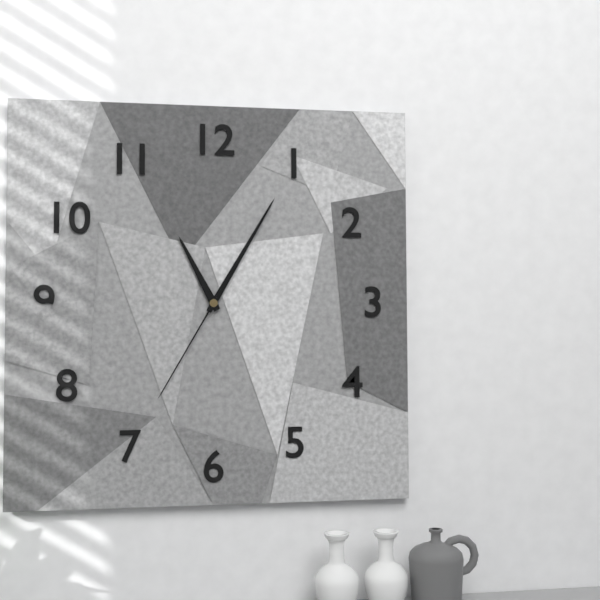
{"hour": 11, "minute": 5, "second": 35}
